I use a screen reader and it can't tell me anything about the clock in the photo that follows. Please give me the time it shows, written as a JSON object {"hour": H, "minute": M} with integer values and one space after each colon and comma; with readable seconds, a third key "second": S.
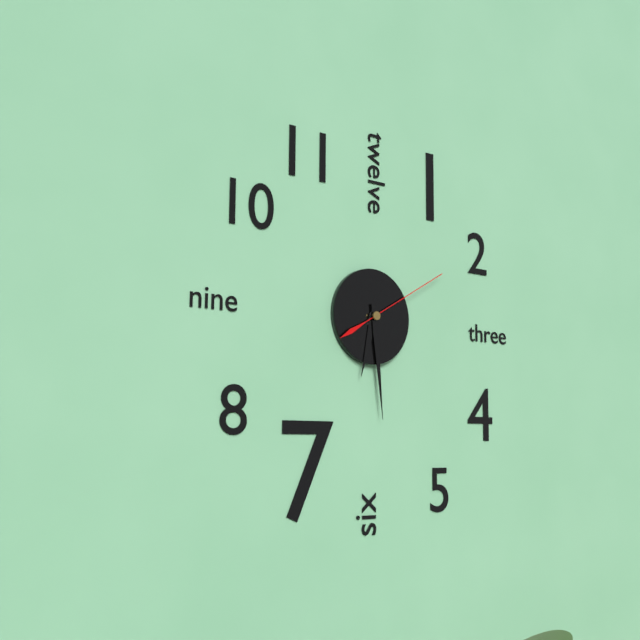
{"hour": 6, "minute": 29, "second": 10}
